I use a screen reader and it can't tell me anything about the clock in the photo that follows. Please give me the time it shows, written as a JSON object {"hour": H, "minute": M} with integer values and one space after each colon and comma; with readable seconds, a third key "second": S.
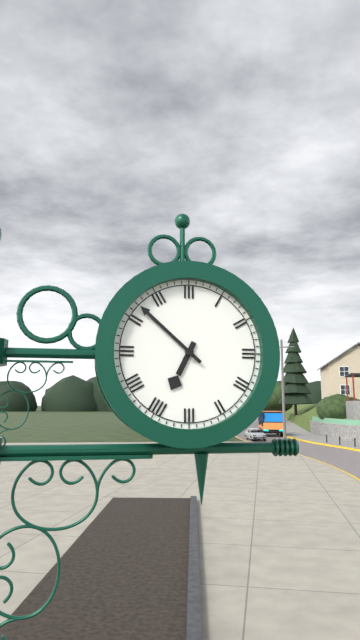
{"hour": 6, "minute": 52}
